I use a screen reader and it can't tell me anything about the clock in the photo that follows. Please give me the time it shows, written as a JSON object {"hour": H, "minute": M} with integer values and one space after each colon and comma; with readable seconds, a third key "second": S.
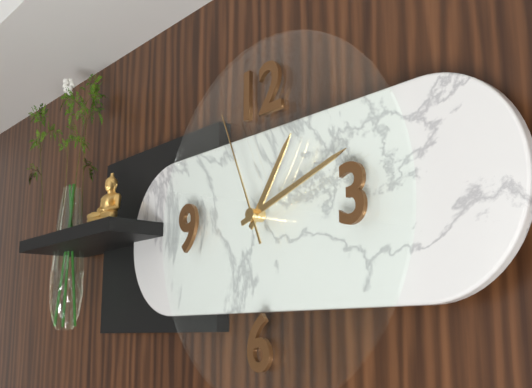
{"hour": 1, "minute": 12, "second": 56}
